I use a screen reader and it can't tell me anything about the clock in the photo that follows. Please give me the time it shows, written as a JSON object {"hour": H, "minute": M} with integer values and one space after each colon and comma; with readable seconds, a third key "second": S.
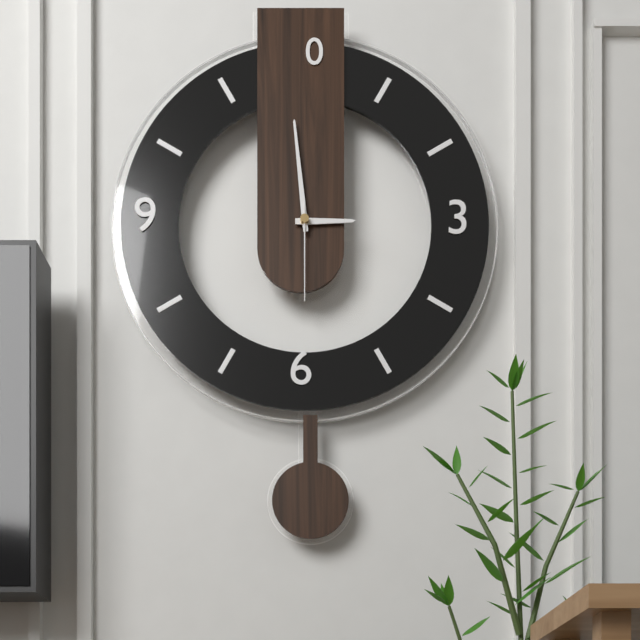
{"hour": 2, "minute": 59, "second": 30}
